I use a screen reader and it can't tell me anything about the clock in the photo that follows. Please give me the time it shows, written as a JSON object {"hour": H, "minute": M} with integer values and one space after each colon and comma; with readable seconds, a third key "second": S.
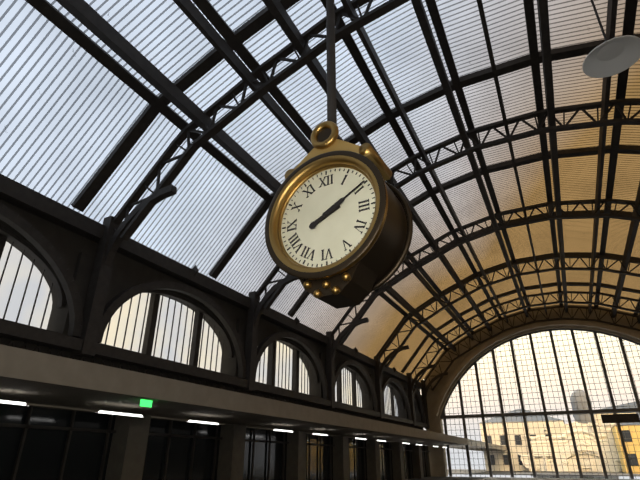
{"hour": 8, "minute": 10}
